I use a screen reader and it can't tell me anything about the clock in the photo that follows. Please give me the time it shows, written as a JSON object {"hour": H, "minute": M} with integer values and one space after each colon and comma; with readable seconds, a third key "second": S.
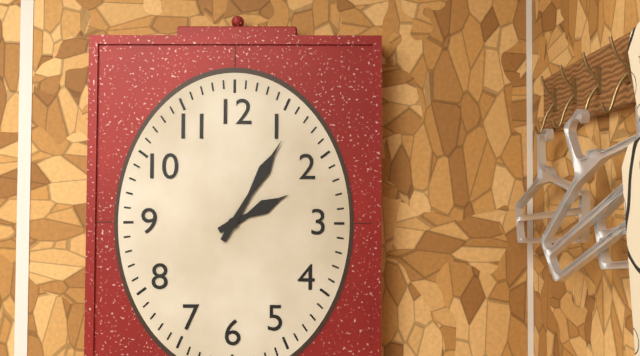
{"hour": 2, "minute": 5}
